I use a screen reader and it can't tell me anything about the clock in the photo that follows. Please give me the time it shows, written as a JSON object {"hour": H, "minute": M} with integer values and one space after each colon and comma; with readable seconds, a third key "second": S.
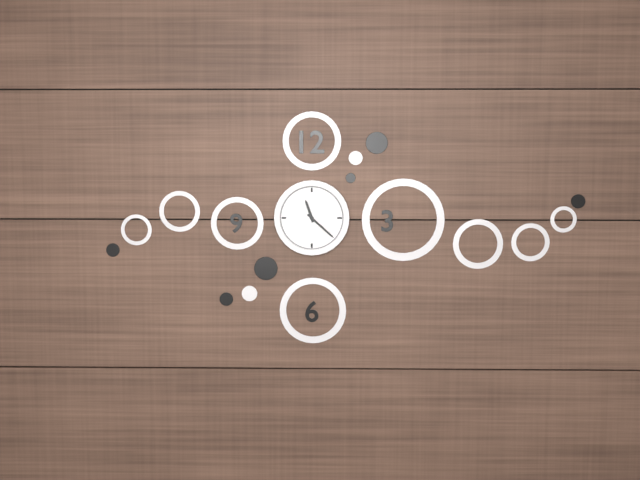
{"hour": 11, "minute": 22}
